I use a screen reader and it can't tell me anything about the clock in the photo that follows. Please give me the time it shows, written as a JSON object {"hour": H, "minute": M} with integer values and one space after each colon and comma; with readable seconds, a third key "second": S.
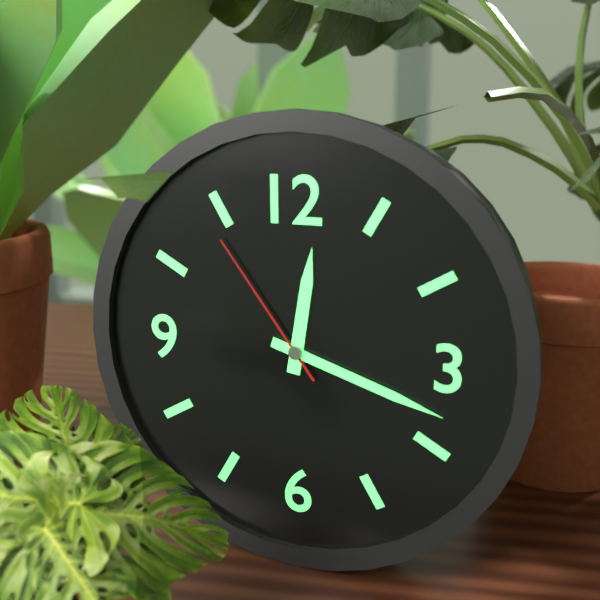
{"hour": 12, "minute": 18, "second": 54}
